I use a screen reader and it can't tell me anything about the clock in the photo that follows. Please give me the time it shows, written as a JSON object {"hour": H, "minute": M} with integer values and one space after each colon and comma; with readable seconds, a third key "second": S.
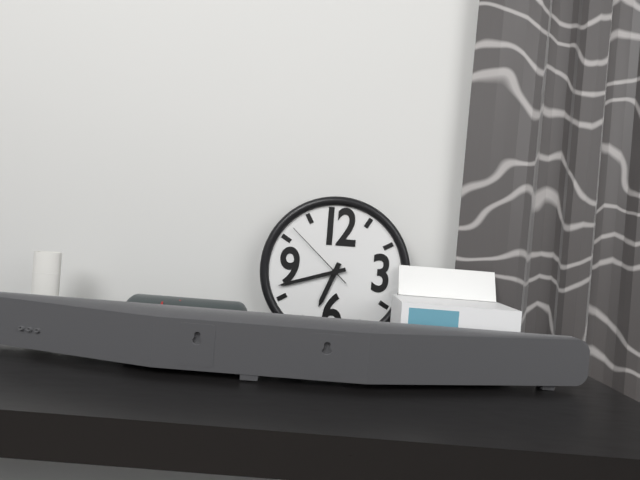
{"hour": 6, "minute": 42, "second": 52}
